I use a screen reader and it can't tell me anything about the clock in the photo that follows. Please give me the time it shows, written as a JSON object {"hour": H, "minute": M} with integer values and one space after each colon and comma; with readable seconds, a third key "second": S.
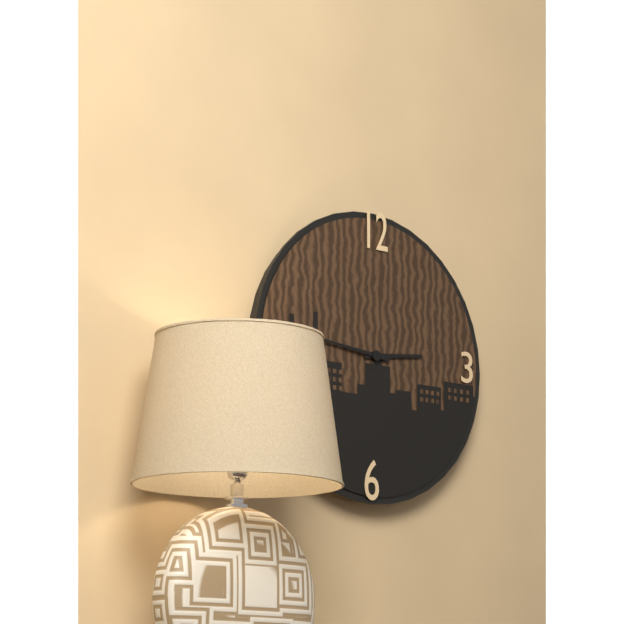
{"hour": 2, "minute": 46}
